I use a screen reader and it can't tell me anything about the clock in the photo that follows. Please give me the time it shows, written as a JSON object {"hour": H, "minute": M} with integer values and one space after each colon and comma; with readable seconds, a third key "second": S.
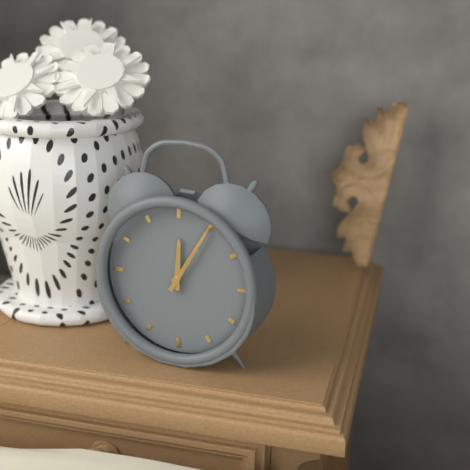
{"hour": 12, "minute": 5}
